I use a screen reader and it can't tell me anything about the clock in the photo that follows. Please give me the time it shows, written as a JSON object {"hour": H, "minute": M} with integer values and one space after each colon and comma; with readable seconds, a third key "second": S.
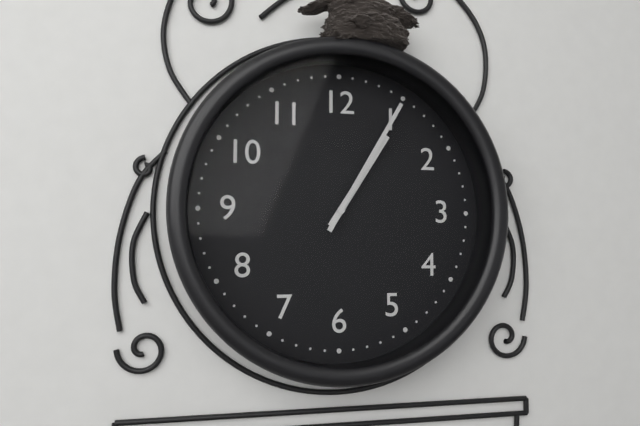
{"hour": 1, "minute": 5}
